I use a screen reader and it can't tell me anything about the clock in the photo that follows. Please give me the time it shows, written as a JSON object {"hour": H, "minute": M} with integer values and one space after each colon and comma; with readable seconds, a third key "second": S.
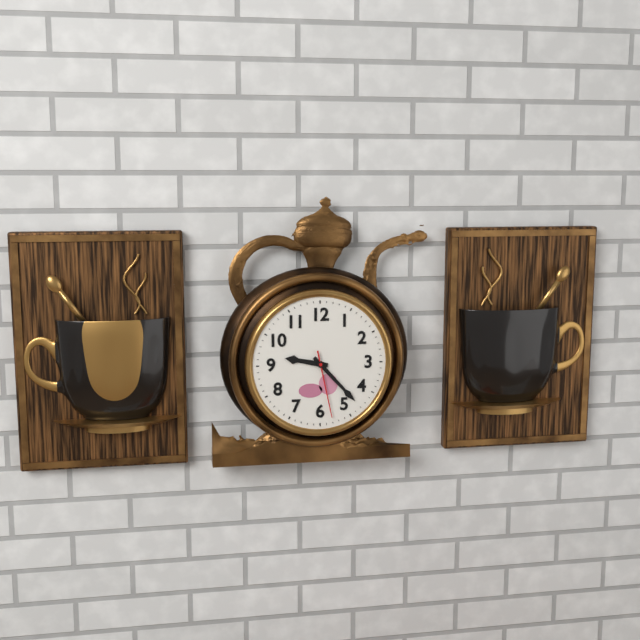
{"hour": 9, "minute": 23, "second": 28}
